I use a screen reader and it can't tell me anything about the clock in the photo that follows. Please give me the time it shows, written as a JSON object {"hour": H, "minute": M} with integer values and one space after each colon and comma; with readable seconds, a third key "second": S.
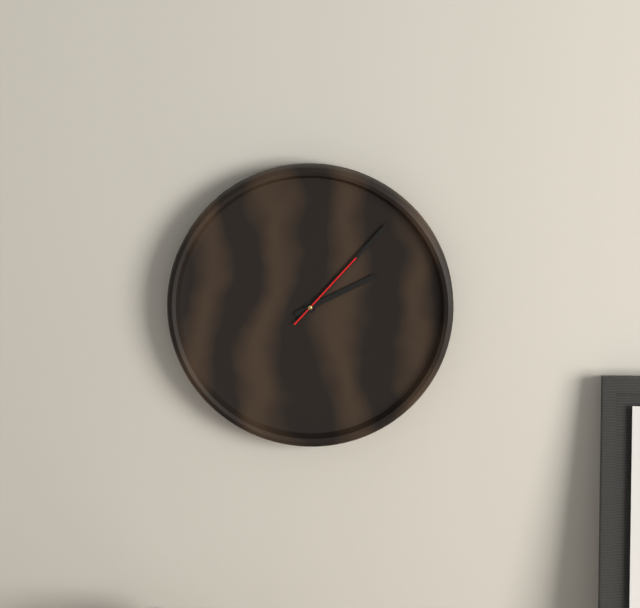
{"hour": 2, "minute": 7, "second": 7}
